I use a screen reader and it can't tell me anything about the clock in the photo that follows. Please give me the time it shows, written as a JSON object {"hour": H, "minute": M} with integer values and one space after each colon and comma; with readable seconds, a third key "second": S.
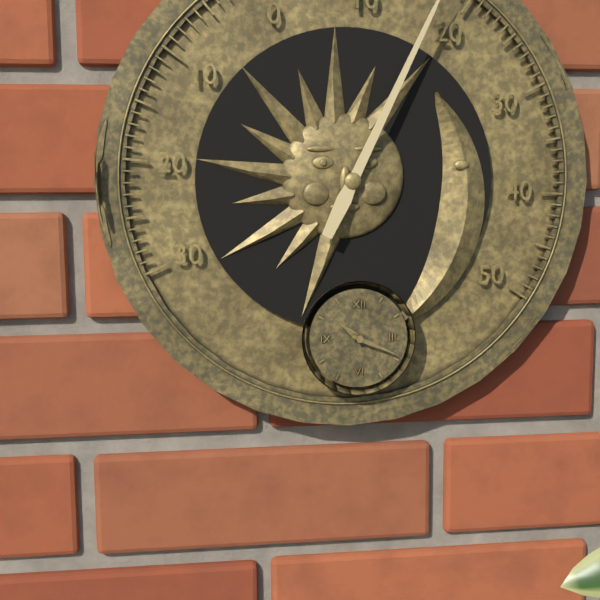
{"hour": 10, "minute": 19}
